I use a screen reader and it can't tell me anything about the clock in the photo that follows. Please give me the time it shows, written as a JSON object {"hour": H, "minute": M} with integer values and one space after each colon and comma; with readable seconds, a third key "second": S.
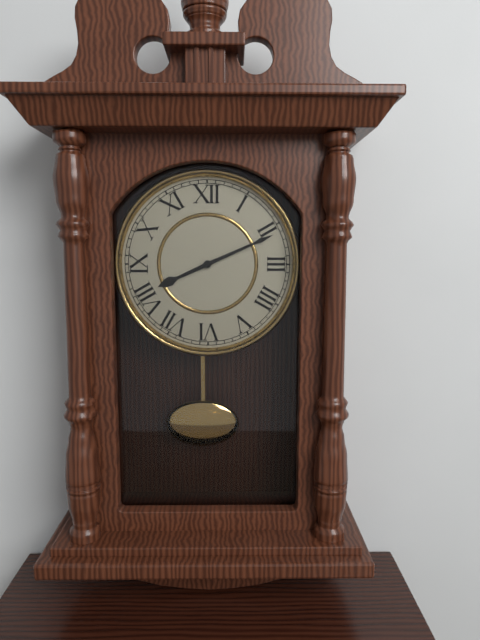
{"hour": 8, "minute": 11}
